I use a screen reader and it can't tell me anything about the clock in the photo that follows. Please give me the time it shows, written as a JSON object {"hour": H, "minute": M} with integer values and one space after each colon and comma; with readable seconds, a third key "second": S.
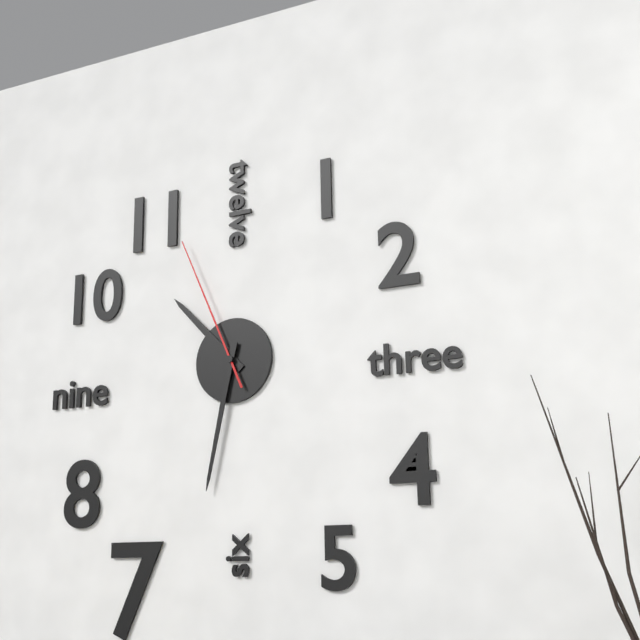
{"hour": 10, "minute": 32, "second": 56}
